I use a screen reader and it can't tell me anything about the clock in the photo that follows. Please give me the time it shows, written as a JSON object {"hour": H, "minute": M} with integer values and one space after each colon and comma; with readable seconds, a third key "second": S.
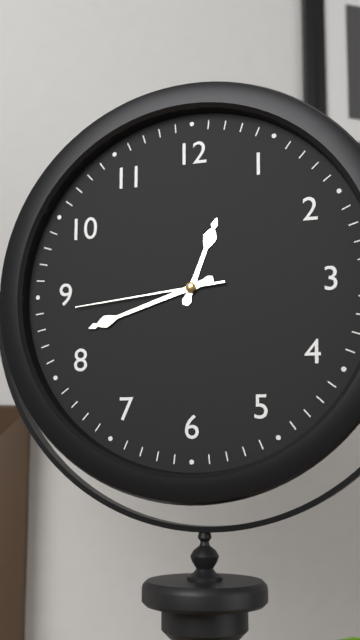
{"hour": 12, "minute": 42, "second": 44}
